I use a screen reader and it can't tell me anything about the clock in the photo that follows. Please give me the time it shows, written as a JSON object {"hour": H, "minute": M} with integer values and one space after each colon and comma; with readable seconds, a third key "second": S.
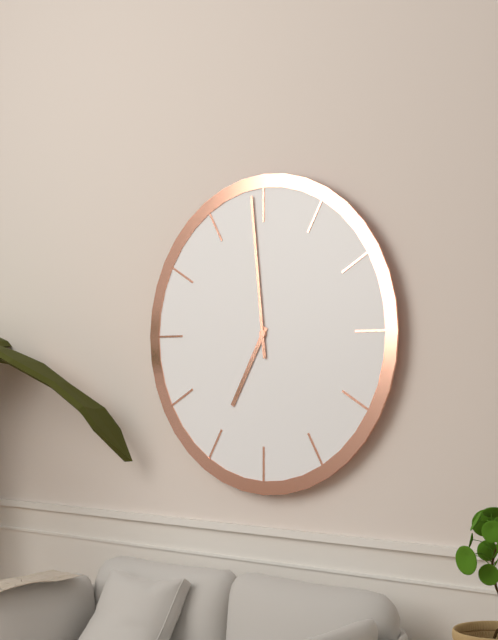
{"hour": 6, "minute": 59}
